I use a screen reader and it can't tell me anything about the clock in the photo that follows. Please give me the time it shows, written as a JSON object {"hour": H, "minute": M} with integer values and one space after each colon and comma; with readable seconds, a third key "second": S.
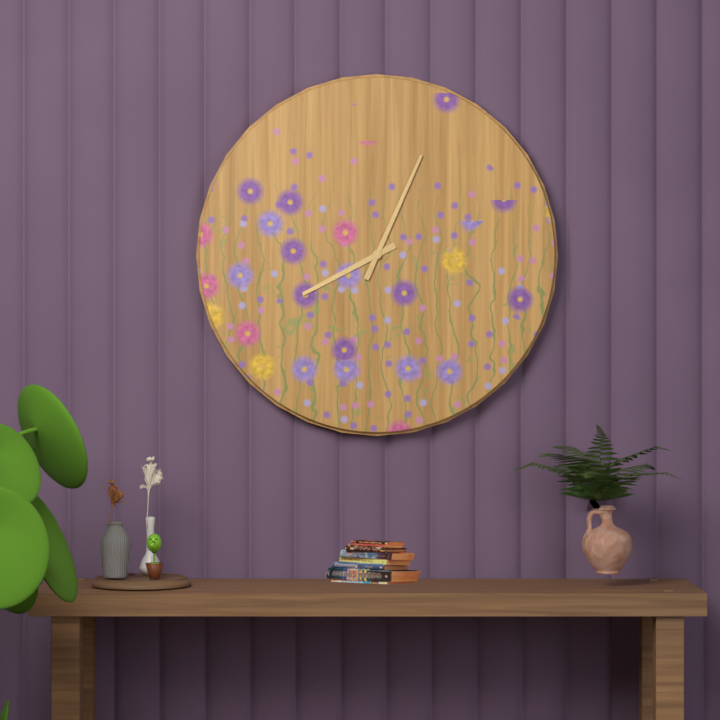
{"hour": 8, "minute": 4}
